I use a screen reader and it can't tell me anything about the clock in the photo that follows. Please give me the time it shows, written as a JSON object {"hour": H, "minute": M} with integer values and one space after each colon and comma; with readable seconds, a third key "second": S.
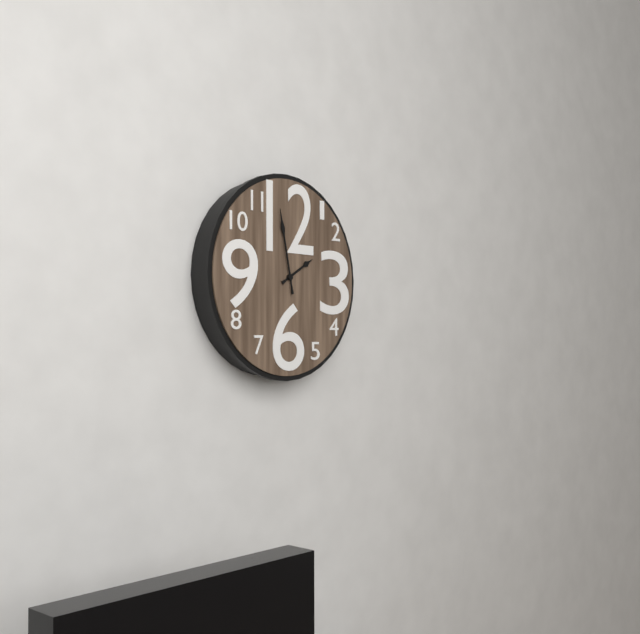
{"hour": 1, "minute": 58}
